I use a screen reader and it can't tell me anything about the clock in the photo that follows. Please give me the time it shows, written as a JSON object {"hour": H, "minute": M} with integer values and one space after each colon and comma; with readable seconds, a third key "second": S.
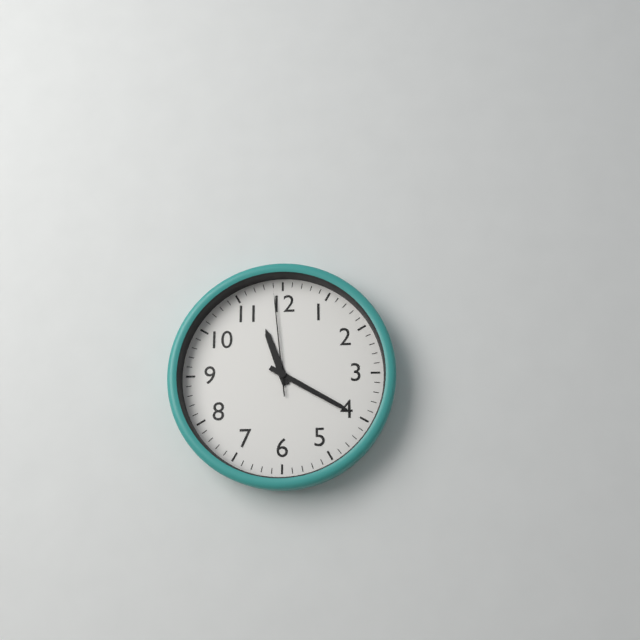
{"hour": 11, "minute": 20, "second": 59}
